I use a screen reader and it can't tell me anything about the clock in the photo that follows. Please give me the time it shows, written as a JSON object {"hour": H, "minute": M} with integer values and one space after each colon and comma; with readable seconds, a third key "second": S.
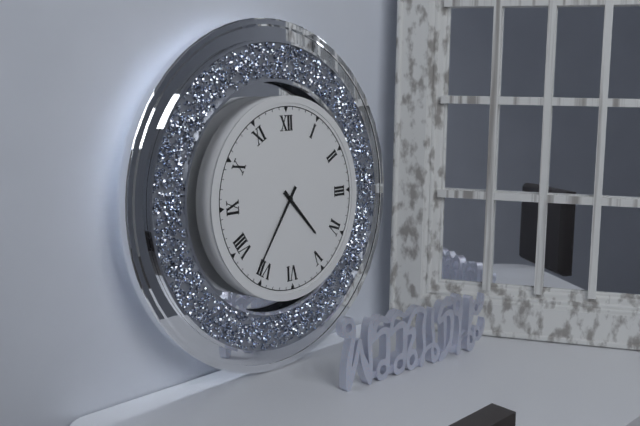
{"hour": 4, "minute": 36}
